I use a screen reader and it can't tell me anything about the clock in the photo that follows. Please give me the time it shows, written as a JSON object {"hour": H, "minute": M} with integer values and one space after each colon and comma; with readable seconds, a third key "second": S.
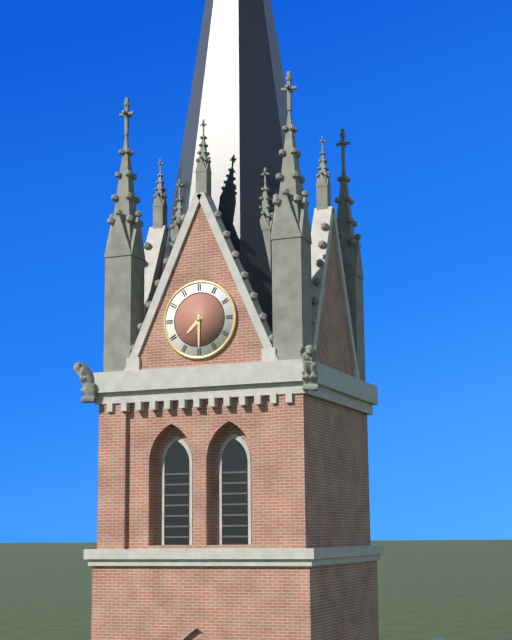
{"hour": 7, "minute": 30}
